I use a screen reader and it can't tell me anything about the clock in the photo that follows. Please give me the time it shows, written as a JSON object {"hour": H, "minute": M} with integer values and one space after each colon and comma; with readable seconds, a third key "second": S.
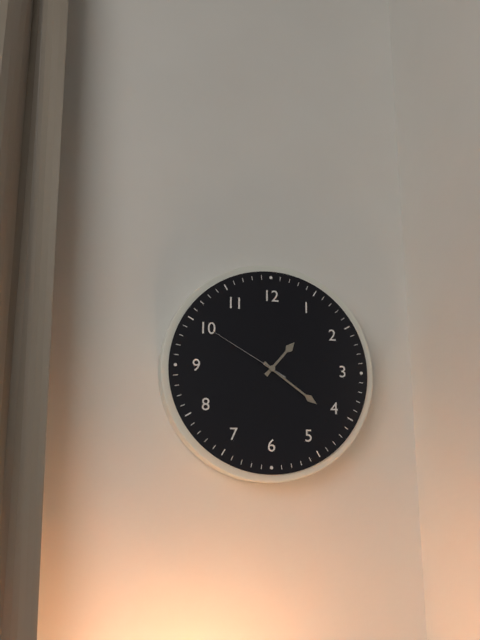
{"hour": 1, "minute": 21, "second": 50}
